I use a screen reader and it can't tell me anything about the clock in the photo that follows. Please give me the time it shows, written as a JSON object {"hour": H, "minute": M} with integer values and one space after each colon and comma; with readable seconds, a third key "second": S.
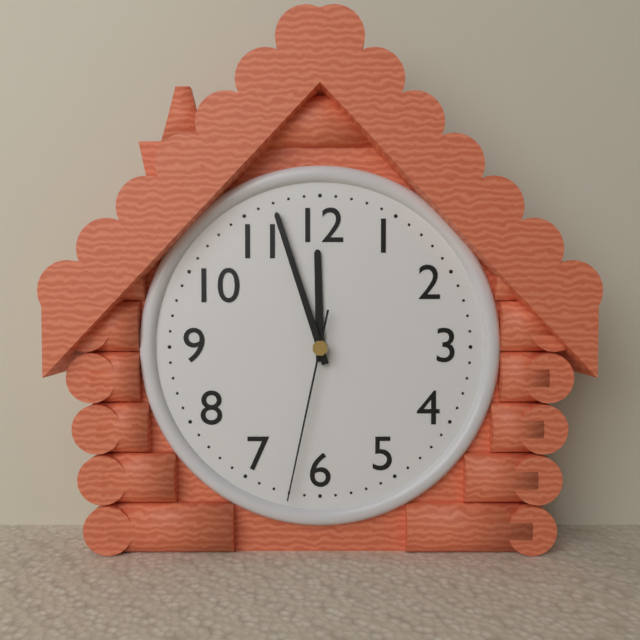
{"hour": 11, "minute": 57, "second": 32}
